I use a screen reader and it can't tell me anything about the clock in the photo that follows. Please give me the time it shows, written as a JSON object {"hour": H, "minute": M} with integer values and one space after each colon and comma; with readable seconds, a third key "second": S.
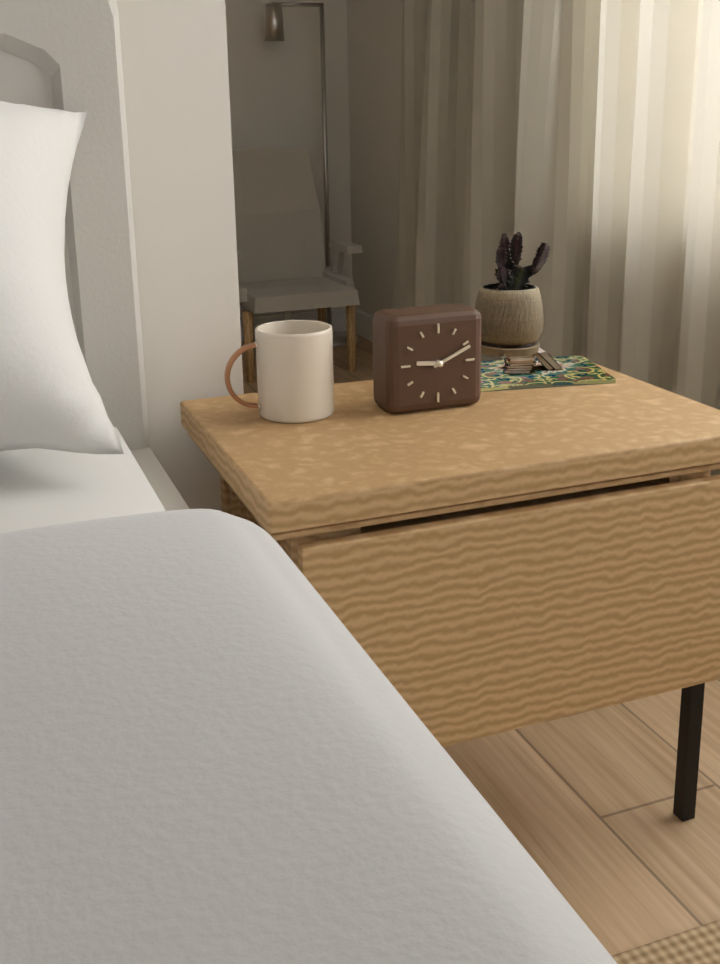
{"hour": 9, "minute": 11}
